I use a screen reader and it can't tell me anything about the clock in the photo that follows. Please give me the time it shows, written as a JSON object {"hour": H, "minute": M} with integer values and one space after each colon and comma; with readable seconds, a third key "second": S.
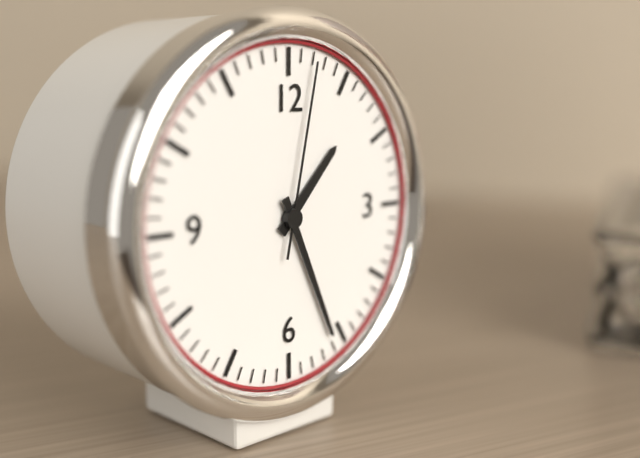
{"hour": 1, "minute": 26, "second": 2}
